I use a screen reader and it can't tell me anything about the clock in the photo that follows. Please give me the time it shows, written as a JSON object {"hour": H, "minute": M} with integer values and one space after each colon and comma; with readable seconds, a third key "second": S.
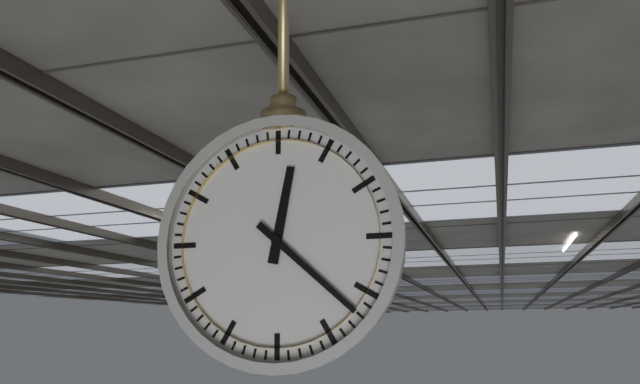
{"hour": 12, "minute": 22}
